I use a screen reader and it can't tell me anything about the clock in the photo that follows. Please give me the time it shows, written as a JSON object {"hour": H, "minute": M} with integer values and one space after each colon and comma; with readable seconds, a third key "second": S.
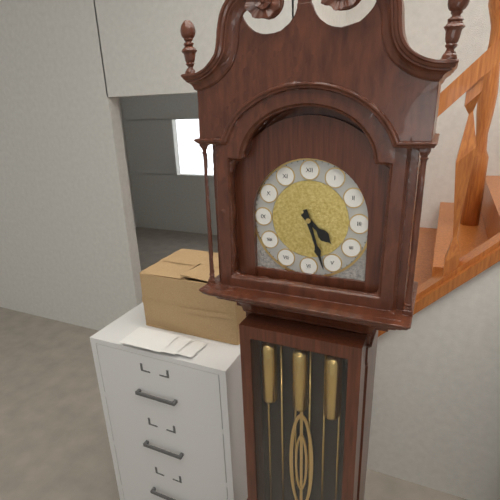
{"hour": 4, "minute": 27}
